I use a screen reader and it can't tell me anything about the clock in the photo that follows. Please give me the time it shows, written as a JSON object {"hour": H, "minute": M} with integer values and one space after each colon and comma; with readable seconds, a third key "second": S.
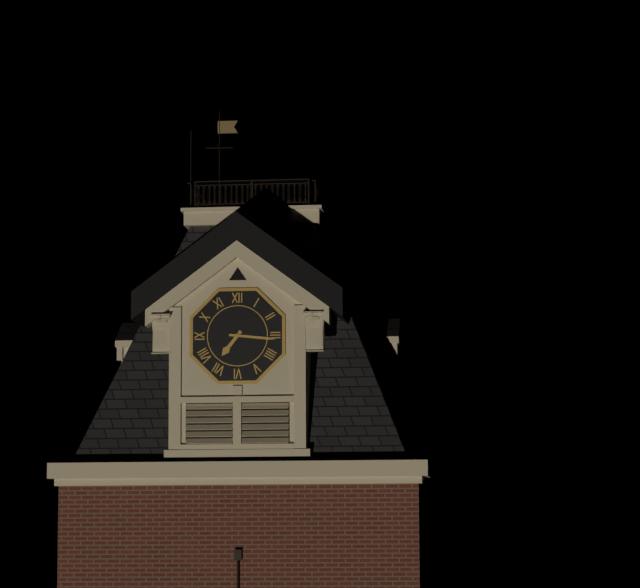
{"hour": 7, "minute": 16}
